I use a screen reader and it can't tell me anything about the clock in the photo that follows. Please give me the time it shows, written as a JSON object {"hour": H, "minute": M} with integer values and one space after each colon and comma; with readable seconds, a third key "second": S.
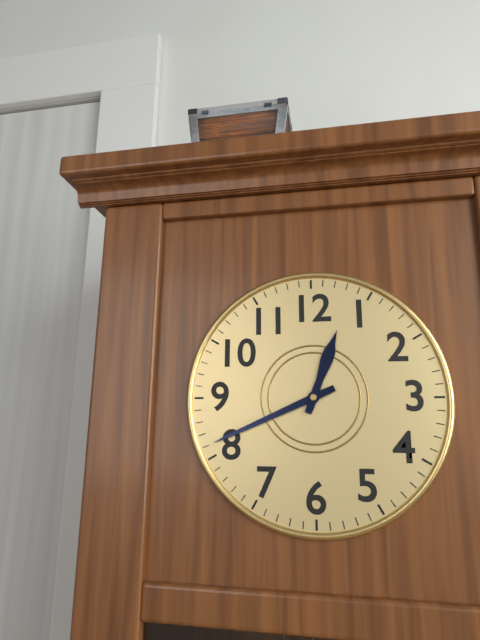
{"hour": 12, "minute": 41}
